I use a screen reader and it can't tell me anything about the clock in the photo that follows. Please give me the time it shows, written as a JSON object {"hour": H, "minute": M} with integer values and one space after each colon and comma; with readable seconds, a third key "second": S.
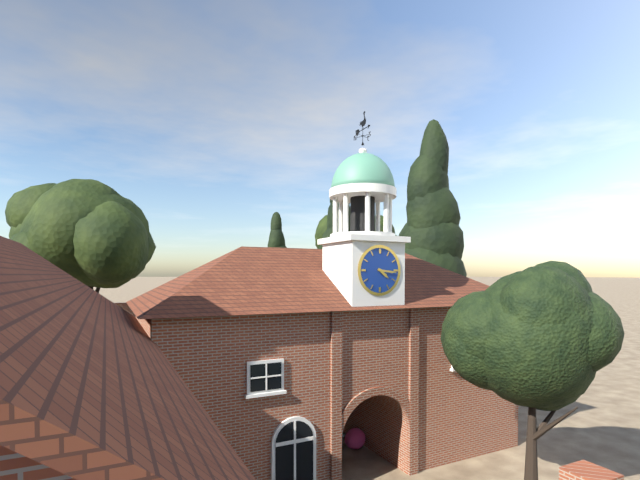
{"hour": 4, "minute": 16}
